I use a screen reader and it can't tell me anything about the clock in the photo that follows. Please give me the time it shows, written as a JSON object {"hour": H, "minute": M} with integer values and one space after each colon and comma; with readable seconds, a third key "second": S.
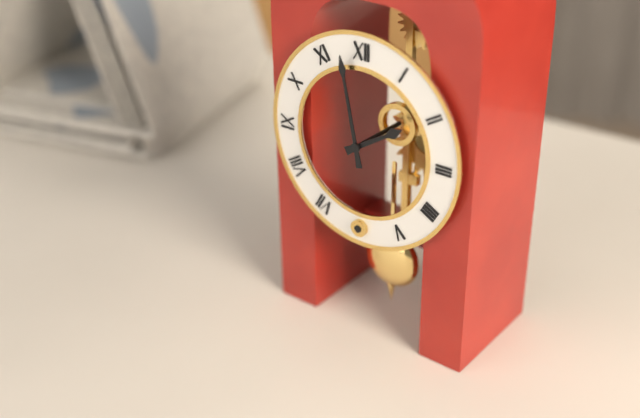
{"hour": 1, "minute": 58}
